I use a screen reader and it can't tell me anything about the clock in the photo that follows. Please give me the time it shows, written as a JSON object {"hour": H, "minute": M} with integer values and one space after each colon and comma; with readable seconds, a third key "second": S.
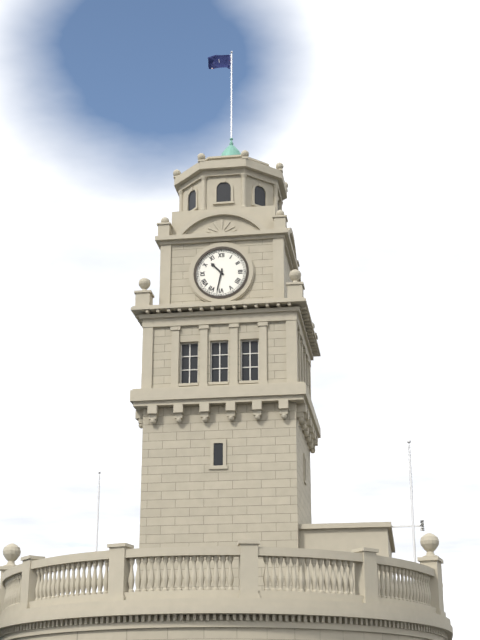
{"hour": 10, "minute": 32}
